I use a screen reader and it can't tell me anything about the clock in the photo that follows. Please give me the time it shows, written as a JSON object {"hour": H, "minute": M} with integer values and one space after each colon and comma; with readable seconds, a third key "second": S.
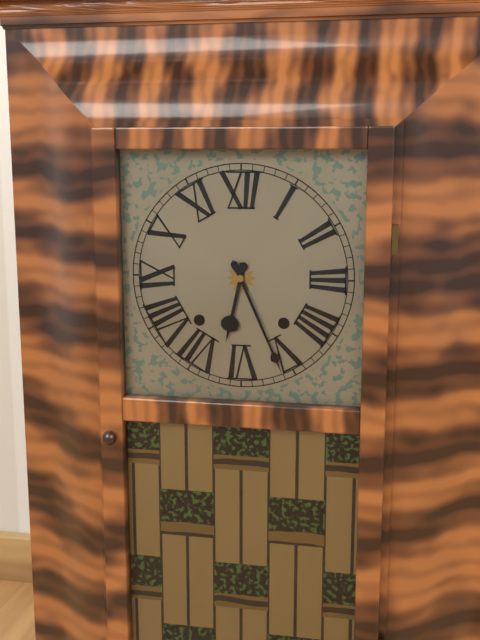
{"hour": 6, "minute": 26}
